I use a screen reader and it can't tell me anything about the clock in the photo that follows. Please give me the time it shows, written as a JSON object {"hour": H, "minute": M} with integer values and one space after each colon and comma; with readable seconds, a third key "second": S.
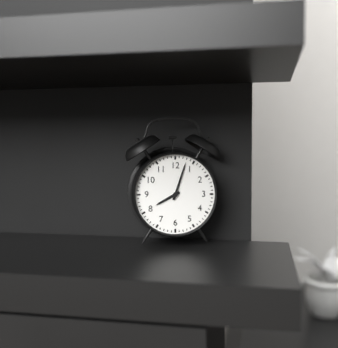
{"hour": 8, "minute": 3}
